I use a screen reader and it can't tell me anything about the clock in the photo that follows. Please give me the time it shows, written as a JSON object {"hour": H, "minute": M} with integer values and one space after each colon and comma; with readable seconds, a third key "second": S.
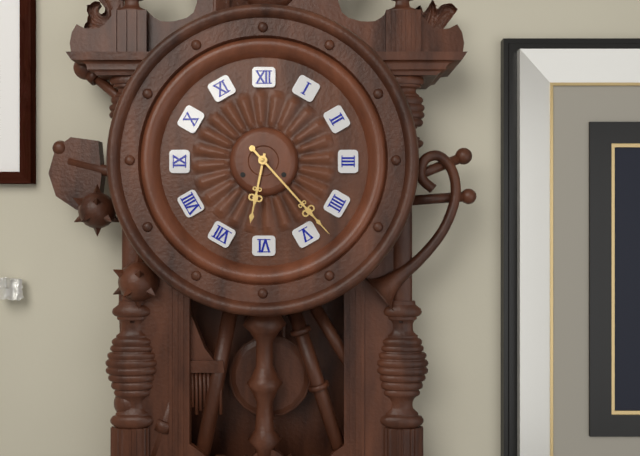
{"hour": 6, "minute": 23}
